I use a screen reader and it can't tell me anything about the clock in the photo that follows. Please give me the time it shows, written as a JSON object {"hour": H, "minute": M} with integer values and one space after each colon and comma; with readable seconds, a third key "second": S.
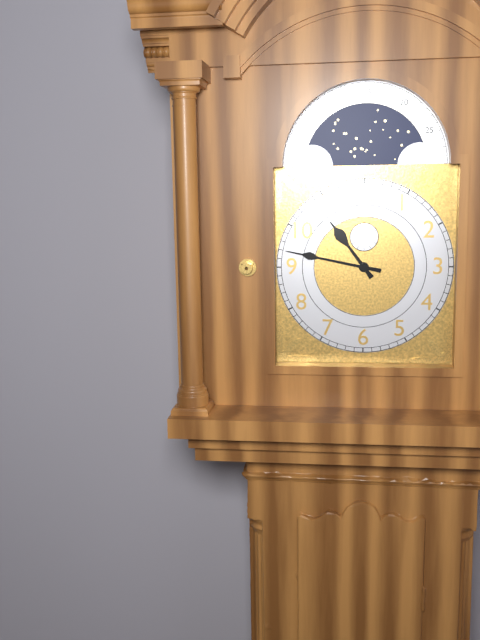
{"hour": 10, "minute": 47}
